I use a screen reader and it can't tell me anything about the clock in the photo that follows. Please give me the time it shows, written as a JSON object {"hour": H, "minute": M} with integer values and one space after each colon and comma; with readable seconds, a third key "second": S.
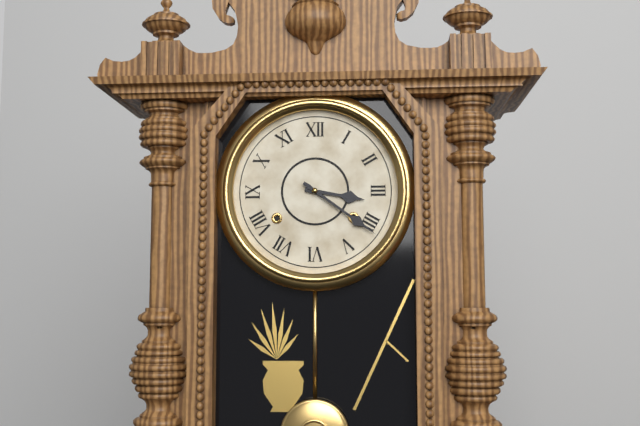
{"hour": 3, "minute": 21}
